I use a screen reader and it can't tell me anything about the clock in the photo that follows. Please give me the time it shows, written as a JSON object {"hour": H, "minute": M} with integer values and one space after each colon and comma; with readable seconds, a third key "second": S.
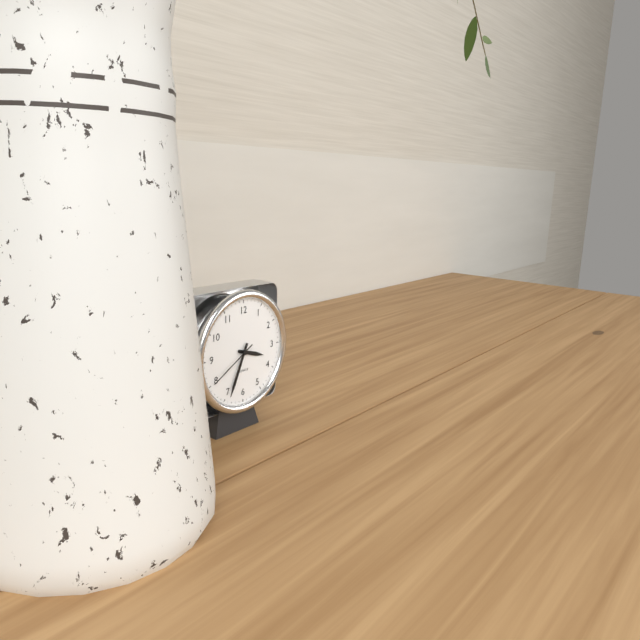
{"hour": 3, "minute": 34, "second": 40}
